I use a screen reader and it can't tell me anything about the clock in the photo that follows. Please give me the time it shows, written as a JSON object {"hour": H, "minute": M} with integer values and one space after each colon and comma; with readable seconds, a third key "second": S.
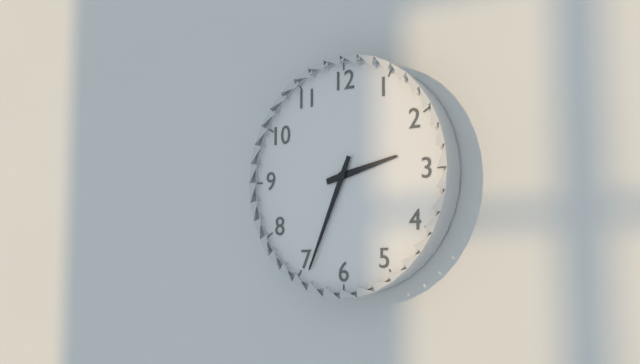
{"hour": 2, "minute": 34}
